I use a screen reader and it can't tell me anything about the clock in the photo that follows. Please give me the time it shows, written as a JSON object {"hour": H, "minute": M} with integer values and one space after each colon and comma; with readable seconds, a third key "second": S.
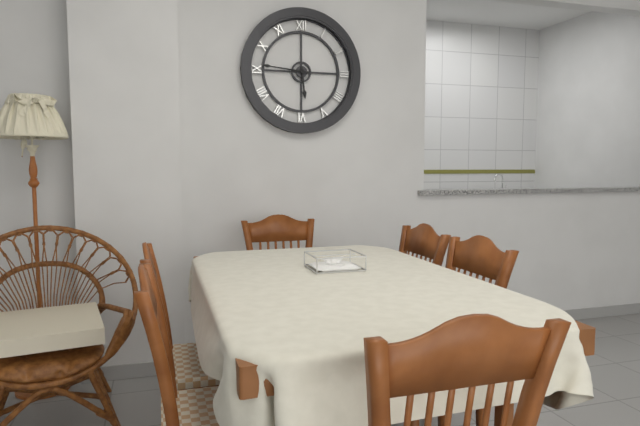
{"hour": 5, "minute": 46}
